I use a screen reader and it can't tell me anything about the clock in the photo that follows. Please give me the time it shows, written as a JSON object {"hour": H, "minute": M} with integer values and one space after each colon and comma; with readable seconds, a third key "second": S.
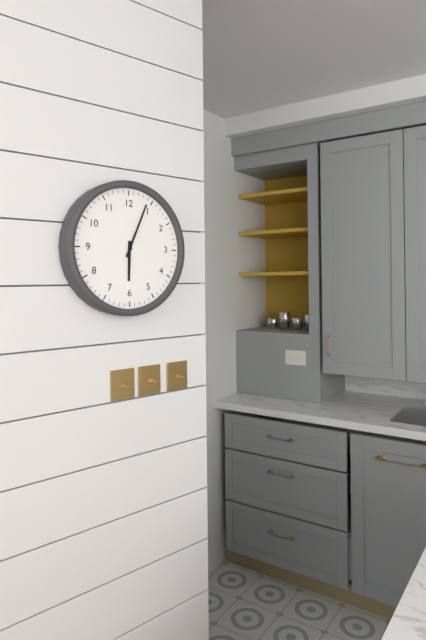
{"hour": 6, "minute": 4}
